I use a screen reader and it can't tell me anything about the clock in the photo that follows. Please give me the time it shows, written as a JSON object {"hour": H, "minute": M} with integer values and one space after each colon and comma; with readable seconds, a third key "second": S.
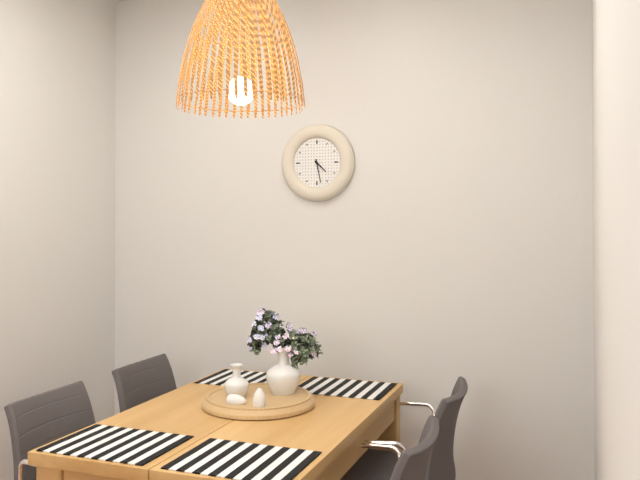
{"hour": 4, "minute": 28}
